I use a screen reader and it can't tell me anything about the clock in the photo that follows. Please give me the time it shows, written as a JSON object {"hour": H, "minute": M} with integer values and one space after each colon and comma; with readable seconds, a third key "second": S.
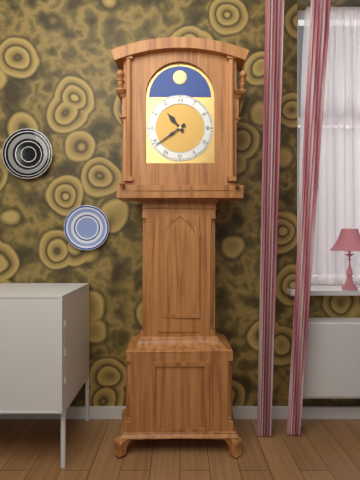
{"hour": 10, "minute": 39}
